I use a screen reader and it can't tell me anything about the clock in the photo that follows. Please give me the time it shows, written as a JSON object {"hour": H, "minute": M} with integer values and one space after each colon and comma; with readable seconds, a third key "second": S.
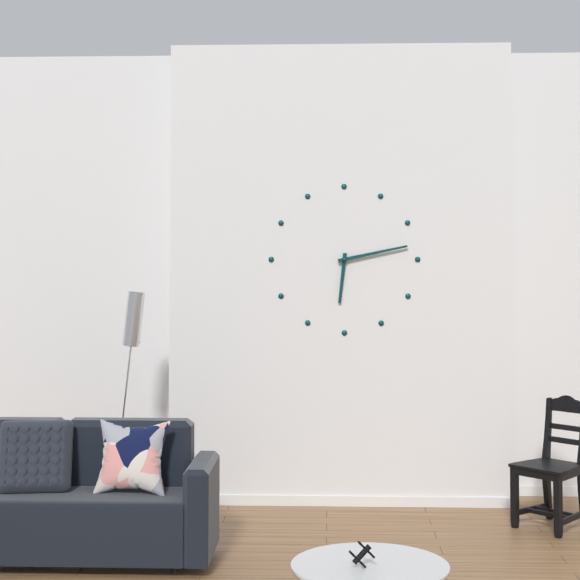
{"hour": 6, "minute": 13}
